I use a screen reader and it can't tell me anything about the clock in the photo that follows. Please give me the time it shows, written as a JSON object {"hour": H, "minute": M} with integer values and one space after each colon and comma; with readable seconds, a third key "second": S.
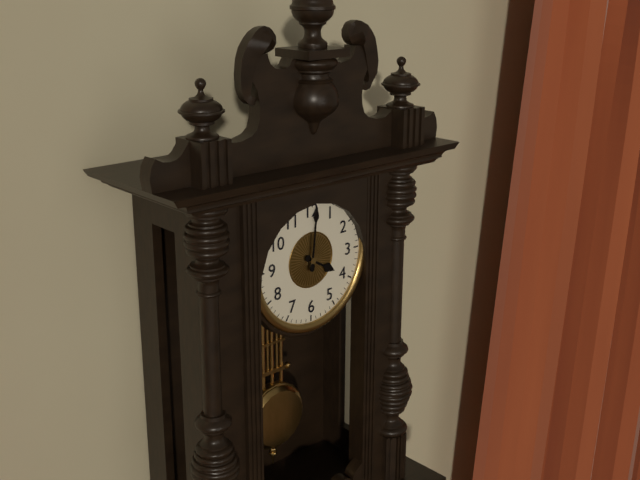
{"hour": 4, "minute": 1}
